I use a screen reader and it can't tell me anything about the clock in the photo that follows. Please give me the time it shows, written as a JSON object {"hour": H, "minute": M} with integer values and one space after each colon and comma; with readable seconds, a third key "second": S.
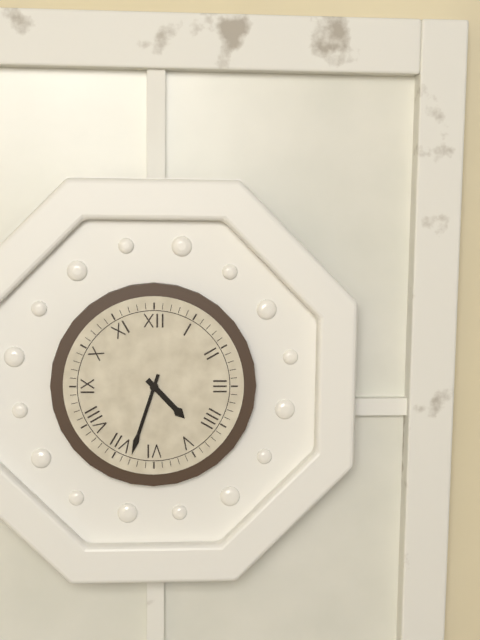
{"hour": 4, "minute": 33}
